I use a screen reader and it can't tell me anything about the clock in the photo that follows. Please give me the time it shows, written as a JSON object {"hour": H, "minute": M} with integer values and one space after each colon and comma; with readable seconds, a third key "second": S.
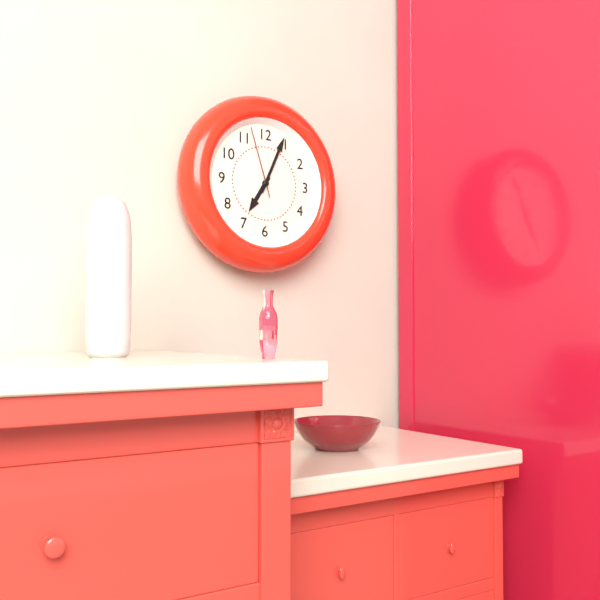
{"hour": 7, "minute": 4, "second": 57}
